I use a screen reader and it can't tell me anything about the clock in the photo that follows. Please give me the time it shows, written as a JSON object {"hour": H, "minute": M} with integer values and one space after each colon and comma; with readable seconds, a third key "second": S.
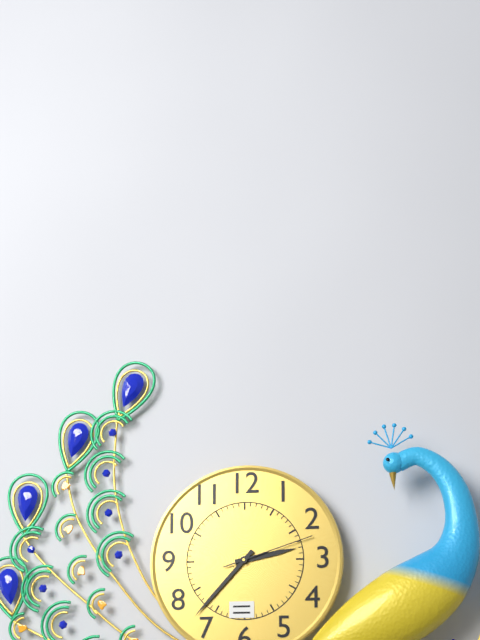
{"hour": 2, "minute": 37, "second": 12}
